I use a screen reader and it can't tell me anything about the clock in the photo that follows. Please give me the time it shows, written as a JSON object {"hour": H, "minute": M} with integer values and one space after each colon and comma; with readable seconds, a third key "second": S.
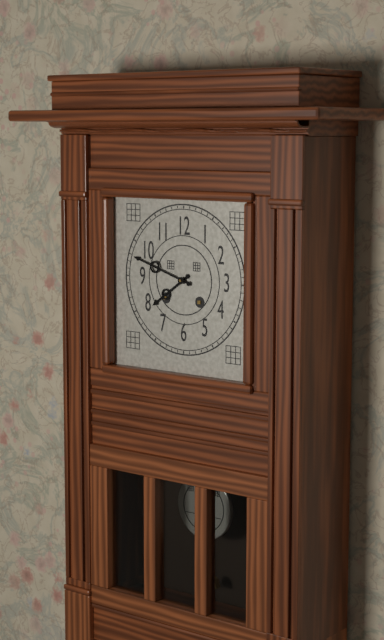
{"hour": 7, "minute": 48}
